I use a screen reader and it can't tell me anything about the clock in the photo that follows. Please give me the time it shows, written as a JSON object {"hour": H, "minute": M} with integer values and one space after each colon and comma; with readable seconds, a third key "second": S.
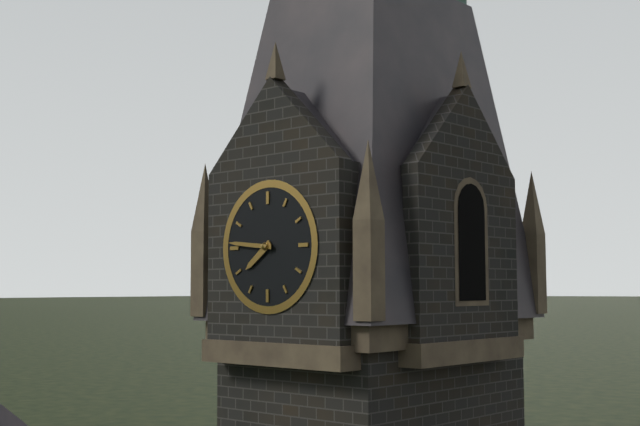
{"hour": 7, "minute": 46}
